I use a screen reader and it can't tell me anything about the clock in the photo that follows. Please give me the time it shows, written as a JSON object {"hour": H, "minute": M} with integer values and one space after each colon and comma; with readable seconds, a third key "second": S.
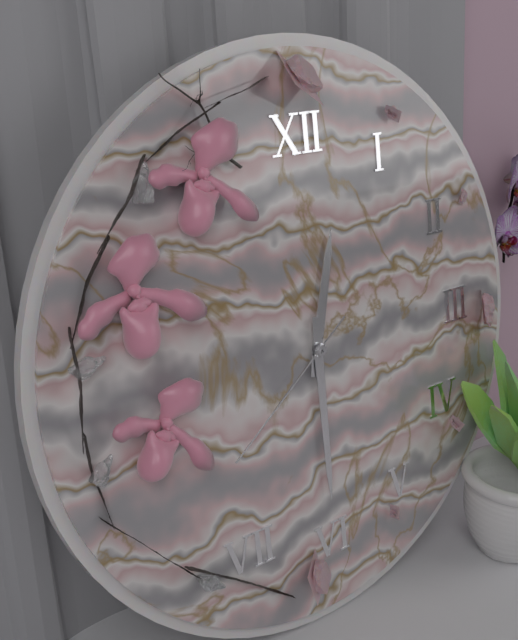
{"hour": 12, "minute": 30, "second": 39}
